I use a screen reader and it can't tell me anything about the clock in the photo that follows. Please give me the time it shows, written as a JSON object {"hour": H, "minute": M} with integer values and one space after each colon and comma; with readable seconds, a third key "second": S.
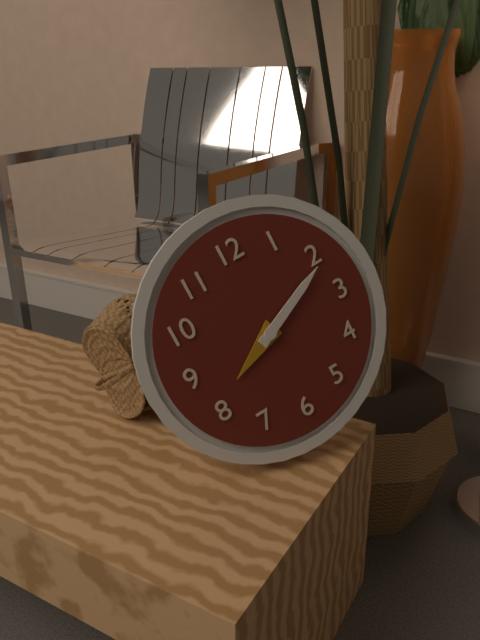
{"hour": 8, "minute": 11}
